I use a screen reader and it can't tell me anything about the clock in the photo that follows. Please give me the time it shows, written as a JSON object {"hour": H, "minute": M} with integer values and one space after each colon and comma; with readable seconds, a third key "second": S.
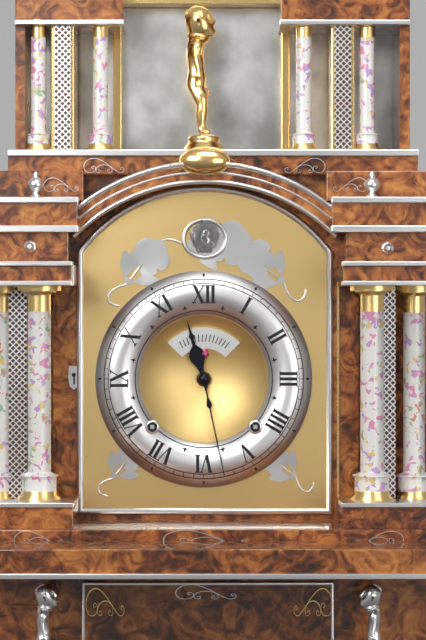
{"hour": 11, "minute": 28}
